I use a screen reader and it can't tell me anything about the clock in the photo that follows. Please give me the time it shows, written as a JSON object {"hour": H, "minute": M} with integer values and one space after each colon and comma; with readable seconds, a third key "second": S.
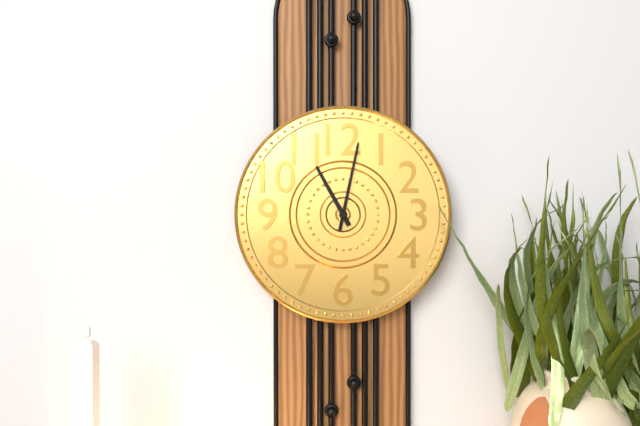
{"hour": 11, "minute": 2}
